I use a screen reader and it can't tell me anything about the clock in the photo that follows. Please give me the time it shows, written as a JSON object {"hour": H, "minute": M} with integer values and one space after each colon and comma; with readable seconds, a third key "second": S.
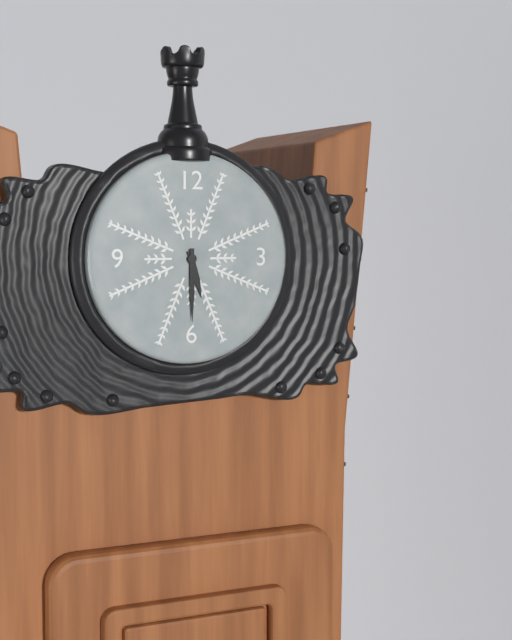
{"hour": 5, "minute": 30}
